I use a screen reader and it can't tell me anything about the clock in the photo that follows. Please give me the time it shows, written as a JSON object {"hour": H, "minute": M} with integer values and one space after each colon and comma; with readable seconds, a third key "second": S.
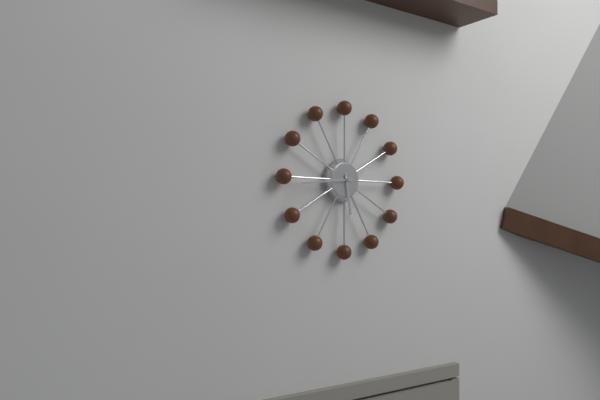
{"hour": 5, "minute": 44}
